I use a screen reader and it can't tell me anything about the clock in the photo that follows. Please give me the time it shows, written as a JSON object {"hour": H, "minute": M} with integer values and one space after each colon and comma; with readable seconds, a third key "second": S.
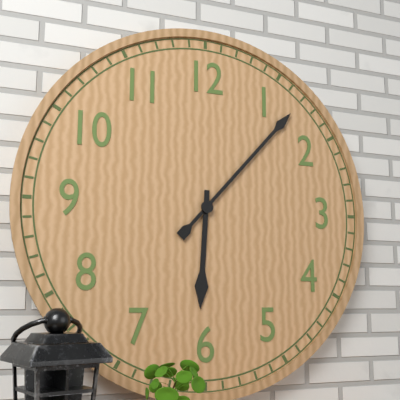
{"hour": 6, "minute": 7}
